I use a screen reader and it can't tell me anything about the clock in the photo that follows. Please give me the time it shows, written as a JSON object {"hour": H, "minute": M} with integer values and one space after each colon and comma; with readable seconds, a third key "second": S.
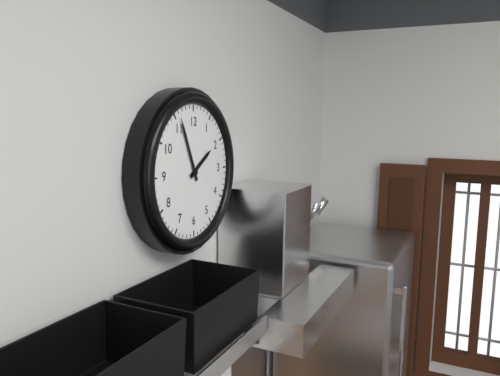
{"hour": 1, "minute": 56}
